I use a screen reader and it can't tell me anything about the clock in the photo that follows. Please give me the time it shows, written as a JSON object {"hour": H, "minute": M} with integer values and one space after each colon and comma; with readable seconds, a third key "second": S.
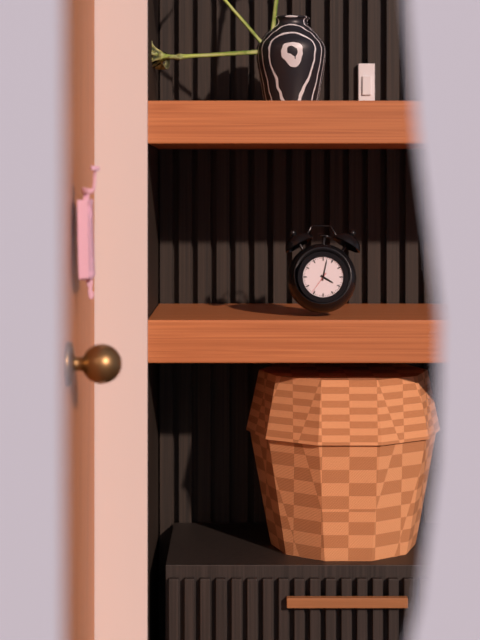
{"hour": 4, "minute": 2}
